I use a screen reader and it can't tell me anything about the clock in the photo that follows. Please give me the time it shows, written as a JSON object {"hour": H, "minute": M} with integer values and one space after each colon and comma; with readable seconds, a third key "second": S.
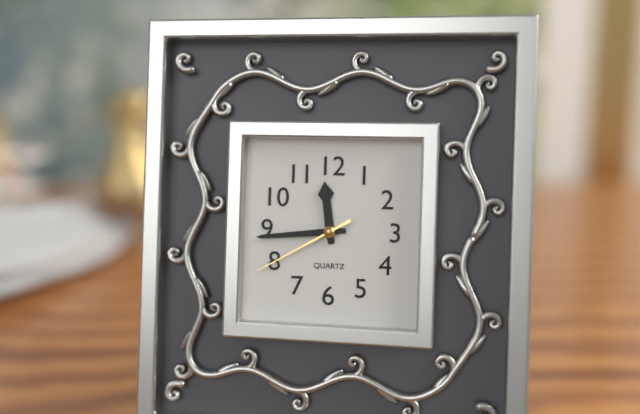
{"hour": 11, "minute": 44, "second": 40}
